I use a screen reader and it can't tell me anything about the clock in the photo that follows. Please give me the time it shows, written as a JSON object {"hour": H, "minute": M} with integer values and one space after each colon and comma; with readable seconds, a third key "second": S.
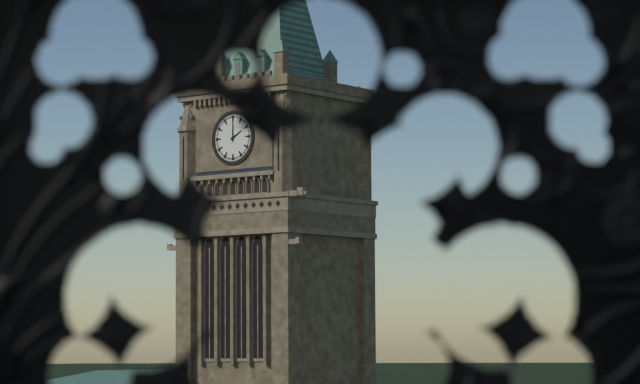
{"hour": 2, "minute": 0}
